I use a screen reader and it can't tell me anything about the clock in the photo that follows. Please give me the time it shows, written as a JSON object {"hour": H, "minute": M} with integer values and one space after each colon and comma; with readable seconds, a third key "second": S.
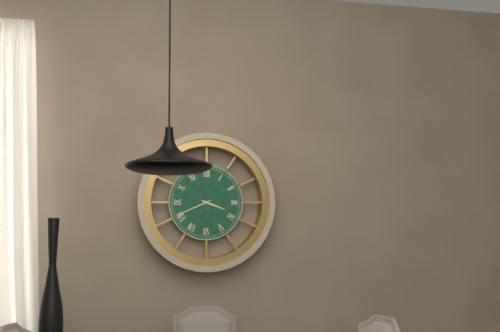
{"hour": 3, "minute": 41}
